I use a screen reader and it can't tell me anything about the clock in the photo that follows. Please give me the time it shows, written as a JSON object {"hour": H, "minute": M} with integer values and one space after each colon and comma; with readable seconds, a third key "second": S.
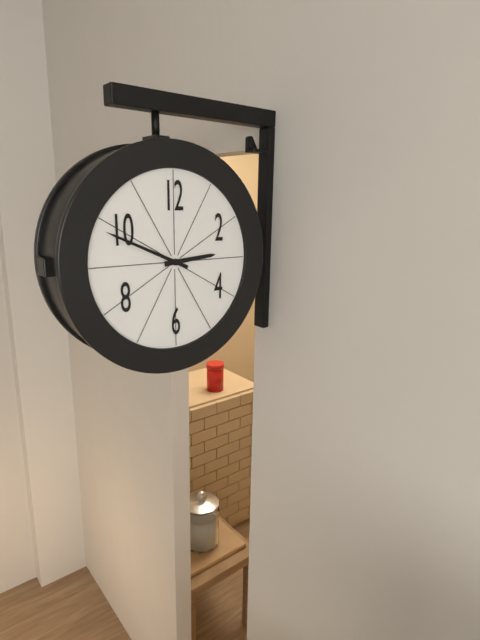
{"hour": 2, "minute": 49}
